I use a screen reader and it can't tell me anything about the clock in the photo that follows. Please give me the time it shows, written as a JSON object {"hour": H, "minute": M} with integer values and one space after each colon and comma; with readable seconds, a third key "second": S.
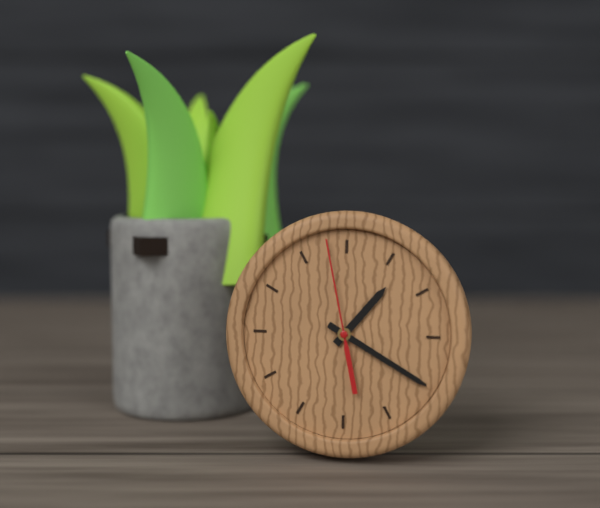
{"hour": 1, "minute": 20, "second": 58}
